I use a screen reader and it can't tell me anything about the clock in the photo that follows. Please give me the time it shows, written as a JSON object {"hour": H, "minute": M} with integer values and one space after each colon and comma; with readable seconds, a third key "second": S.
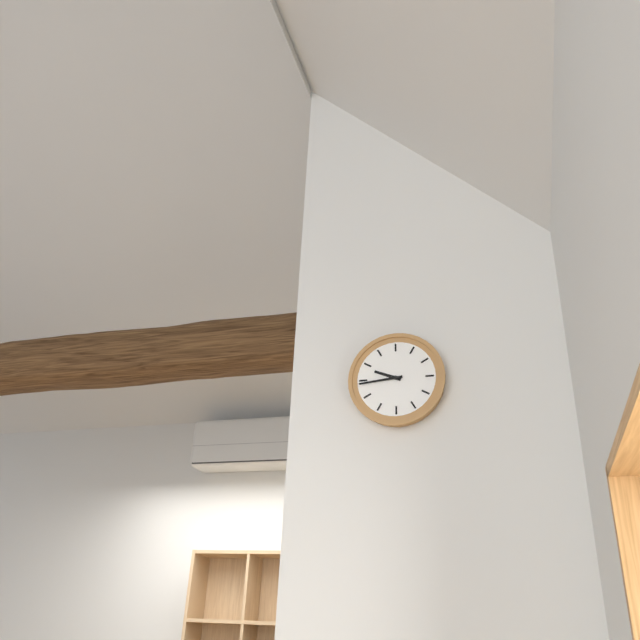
{"hour": 9, "minute": 44}
